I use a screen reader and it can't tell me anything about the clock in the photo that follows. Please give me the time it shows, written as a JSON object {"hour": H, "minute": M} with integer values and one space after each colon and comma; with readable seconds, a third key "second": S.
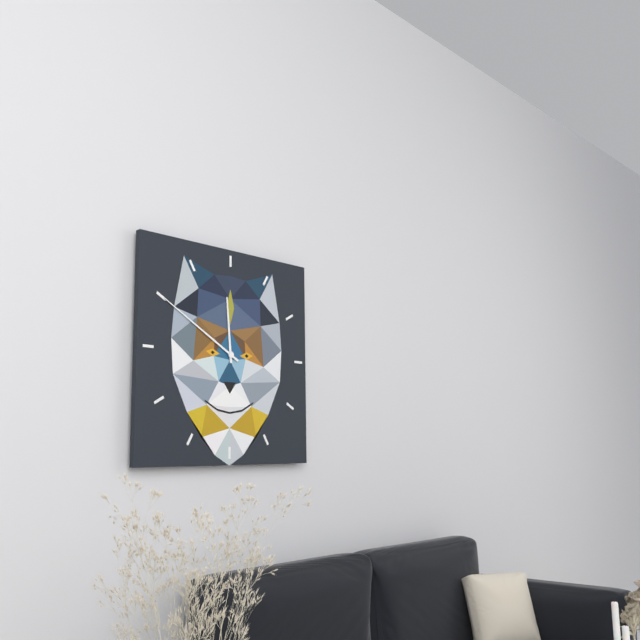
{"hour": 11, "minute": 50}
